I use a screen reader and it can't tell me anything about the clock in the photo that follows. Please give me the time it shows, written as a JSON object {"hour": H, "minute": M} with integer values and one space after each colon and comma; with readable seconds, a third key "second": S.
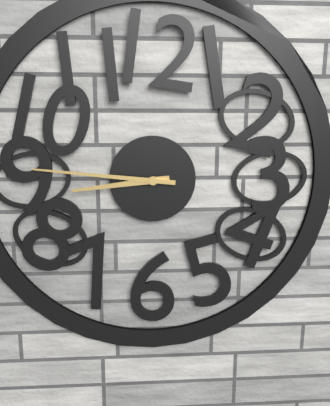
{"hour": 8, "minute": 46}
